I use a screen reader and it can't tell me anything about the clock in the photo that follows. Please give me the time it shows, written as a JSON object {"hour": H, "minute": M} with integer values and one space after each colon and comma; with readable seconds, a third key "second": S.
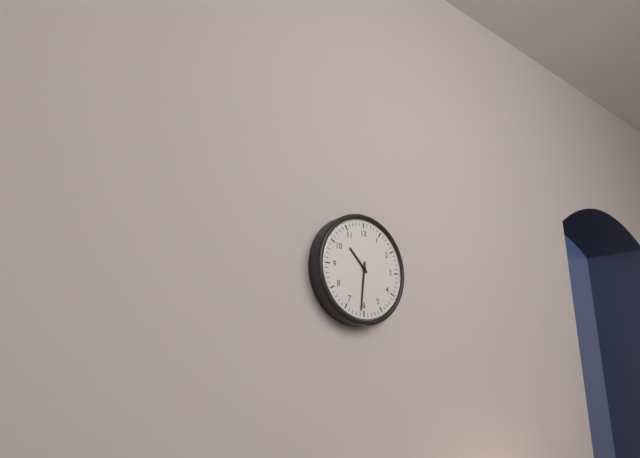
{"hour": 10, "minute": 31}
